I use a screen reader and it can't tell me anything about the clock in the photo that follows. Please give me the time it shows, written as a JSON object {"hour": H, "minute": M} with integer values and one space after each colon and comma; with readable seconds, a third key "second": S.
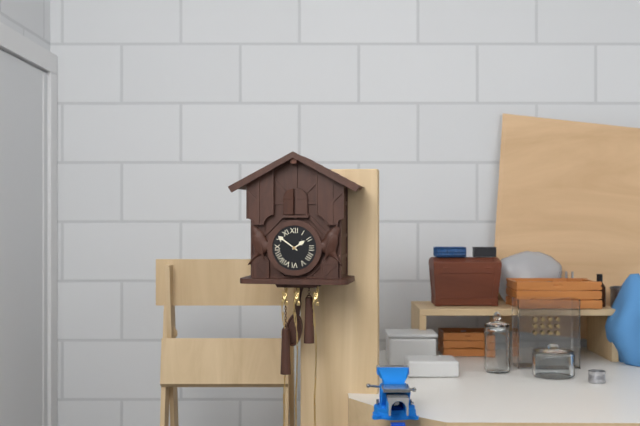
{"hour": 1, "minute": 51}
